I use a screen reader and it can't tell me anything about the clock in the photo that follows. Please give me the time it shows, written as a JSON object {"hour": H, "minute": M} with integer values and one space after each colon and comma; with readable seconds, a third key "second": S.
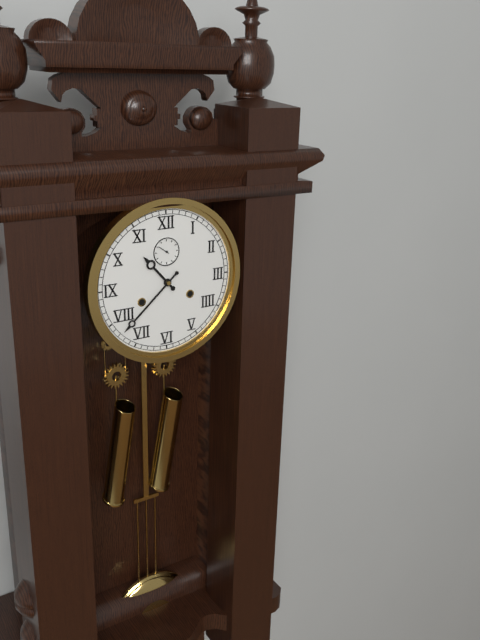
{"hour": 10, "minute": 38}
